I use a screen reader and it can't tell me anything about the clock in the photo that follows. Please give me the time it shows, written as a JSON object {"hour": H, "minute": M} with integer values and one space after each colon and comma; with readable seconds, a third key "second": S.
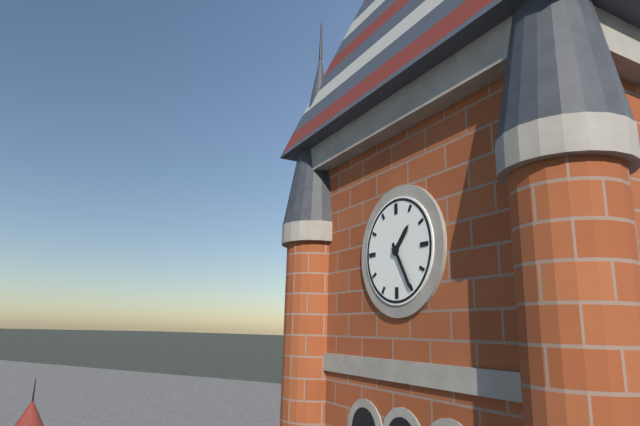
{"hour": 1, "minute": 25}
